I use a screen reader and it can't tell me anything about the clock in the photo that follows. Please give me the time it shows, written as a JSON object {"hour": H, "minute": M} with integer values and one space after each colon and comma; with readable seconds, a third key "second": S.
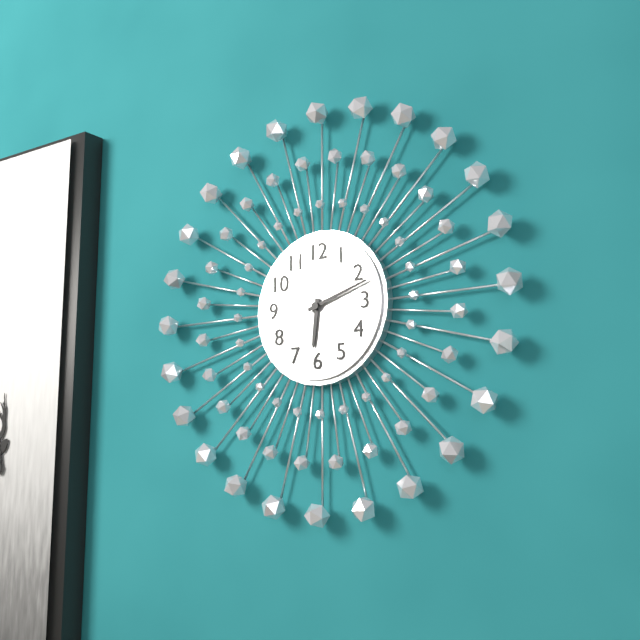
{"hour": 6, "minute": 12}
